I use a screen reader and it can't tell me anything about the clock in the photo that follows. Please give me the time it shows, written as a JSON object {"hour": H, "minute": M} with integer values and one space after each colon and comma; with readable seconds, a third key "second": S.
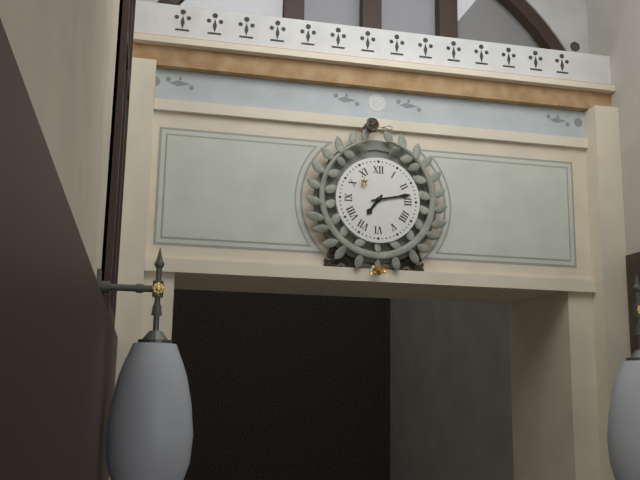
{"hour": 7, "minute": 13}
